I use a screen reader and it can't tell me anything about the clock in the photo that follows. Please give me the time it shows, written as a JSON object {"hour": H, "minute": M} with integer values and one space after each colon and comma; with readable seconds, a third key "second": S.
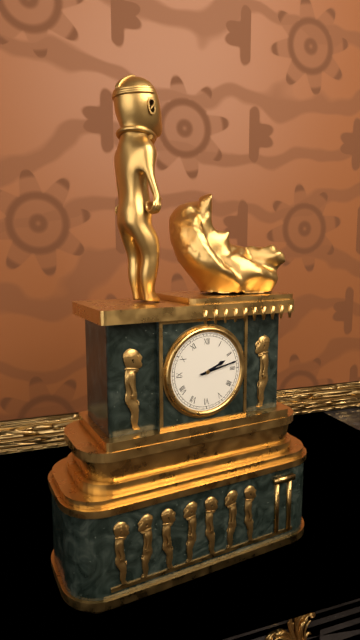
{"hour": 2, "minute": 13}
